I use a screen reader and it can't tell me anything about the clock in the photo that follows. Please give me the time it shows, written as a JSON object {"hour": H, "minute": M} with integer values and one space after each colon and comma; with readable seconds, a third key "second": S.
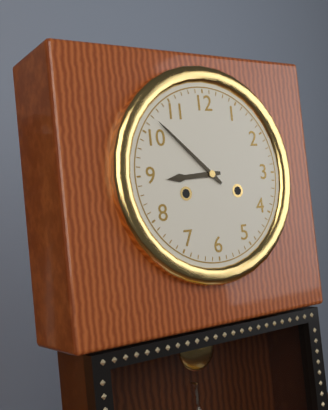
{"hour": 8, "minute": 52}
